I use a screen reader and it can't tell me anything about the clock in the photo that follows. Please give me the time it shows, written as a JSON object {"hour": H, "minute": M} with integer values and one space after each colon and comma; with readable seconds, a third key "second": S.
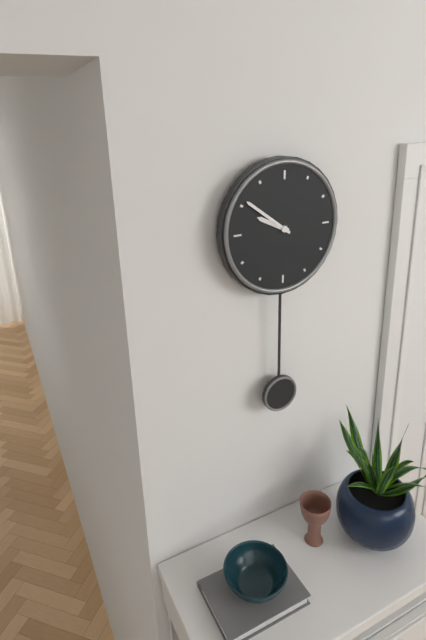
{"hour": 9, "minute": 51}
